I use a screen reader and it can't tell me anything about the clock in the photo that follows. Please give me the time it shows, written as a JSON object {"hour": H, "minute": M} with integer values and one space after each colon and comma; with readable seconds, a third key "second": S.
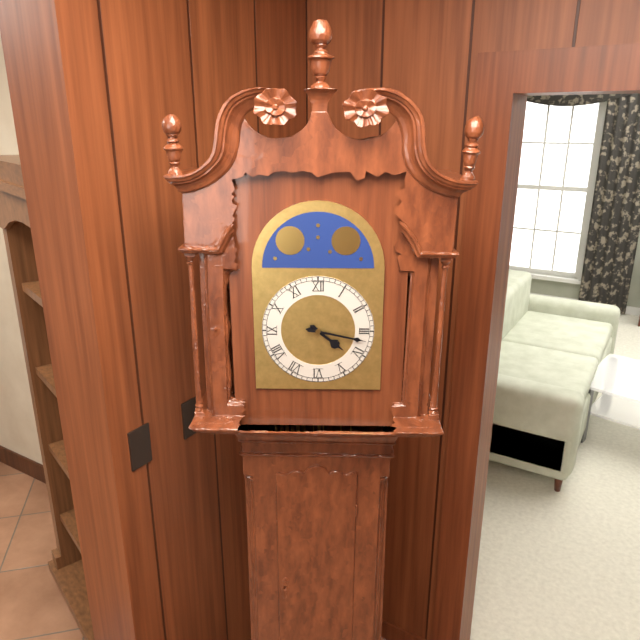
{"hour": 4, "minute": 17}
